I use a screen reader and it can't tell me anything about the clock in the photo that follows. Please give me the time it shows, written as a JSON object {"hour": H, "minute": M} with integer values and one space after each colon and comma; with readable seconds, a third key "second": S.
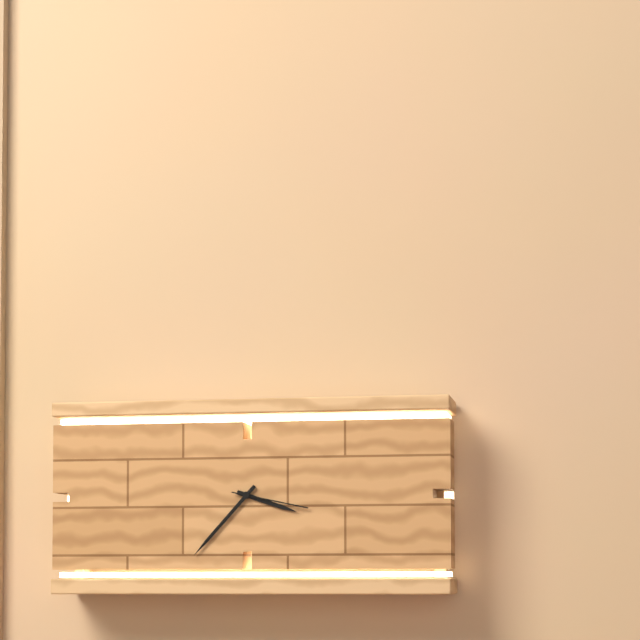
{"hour": 3, "minute": 37, "second": 17}
